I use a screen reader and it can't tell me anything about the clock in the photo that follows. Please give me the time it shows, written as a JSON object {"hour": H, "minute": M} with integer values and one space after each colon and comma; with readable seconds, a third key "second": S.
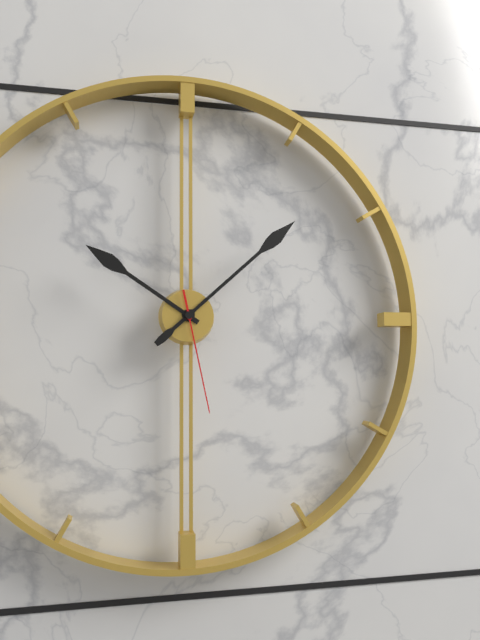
{"hour": 10, "minute": 8, "second": 28}
